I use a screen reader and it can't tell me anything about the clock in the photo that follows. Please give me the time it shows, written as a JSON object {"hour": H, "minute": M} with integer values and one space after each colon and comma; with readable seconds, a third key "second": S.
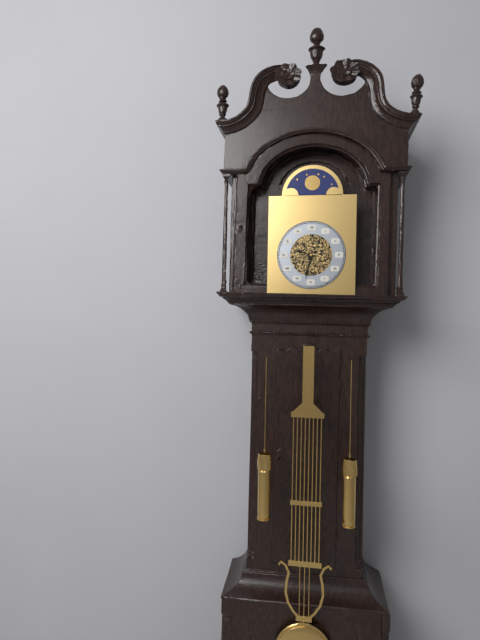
{"hour": 9, "minute": 32}
